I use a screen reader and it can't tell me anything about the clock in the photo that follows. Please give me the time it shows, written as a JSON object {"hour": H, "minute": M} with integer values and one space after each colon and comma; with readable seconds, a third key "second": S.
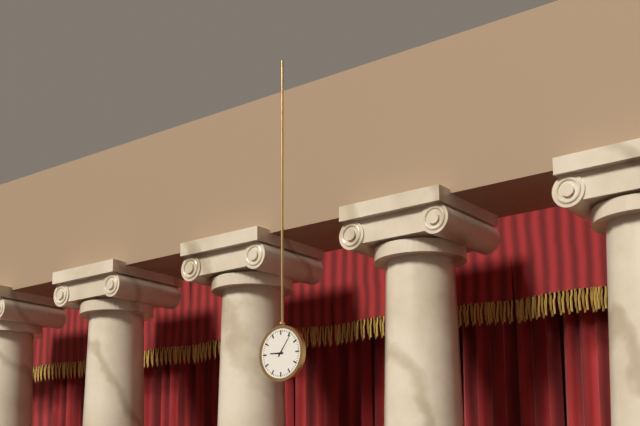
{"hour": 9, "minute": 6}
